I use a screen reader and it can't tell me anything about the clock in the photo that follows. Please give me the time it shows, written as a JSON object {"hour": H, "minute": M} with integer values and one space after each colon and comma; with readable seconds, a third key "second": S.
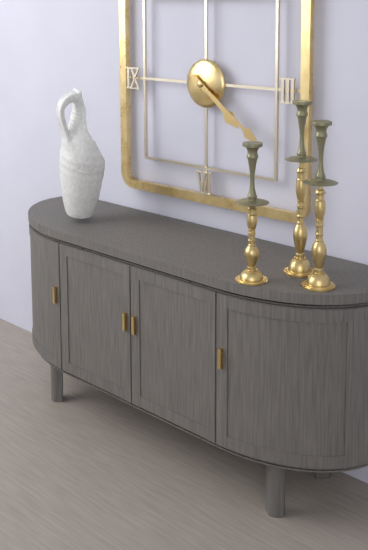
{"hour": 4, "minute": 21}
